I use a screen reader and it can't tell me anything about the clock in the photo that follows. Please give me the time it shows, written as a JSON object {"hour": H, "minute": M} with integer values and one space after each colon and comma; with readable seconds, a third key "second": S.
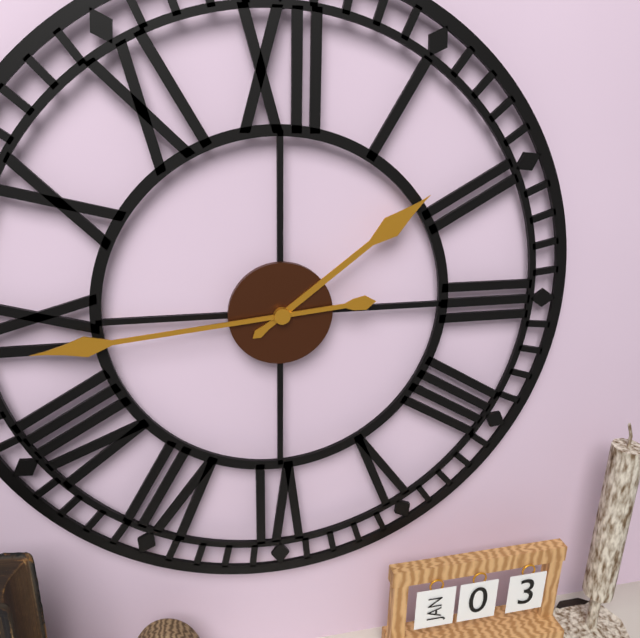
{"hour": 1, "minute": 44}
